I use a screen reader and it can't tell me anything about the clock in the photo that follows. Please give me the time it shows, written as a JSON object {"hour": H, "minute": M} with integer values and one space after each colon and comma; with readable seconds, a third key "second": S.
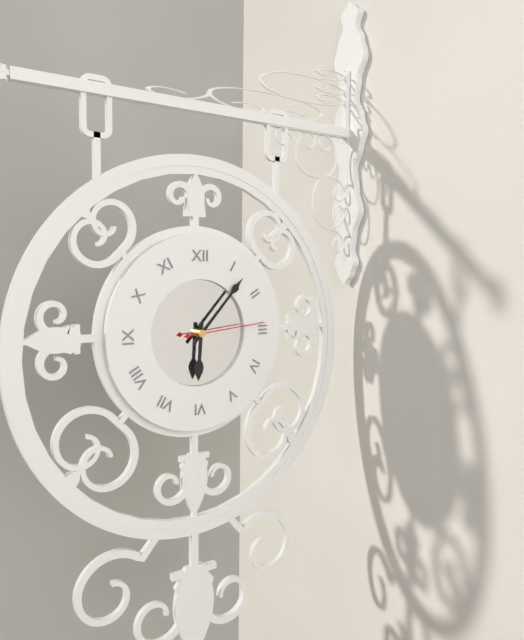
{"hour": 6, "minute": 7, "second": 14}
